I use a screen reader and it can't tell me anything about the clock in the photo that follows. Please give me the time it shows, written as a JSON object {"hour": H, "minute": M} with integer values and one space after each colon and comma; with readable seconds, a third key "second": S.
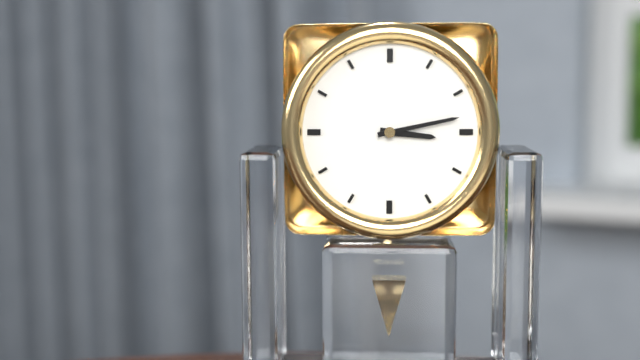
{"hour": 3, "minute": 13}
